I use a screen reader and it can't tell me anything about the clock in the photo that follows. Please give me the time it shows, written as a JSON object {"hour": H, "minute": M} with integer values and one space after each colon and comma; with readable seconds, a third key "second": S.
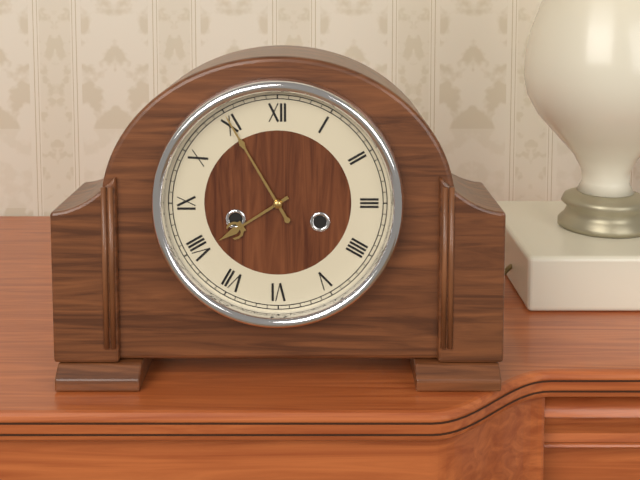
{"hour": 7, "minute": 55}
